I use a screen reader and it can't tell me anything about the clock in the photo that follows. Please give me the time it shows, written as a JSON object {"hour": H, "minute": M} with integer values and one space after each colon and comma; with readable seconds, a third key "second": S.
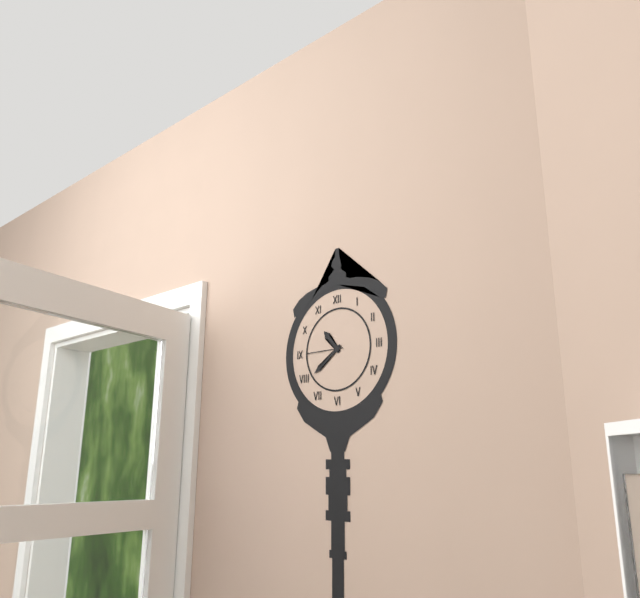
{"hour": 10, "minute": 39}
